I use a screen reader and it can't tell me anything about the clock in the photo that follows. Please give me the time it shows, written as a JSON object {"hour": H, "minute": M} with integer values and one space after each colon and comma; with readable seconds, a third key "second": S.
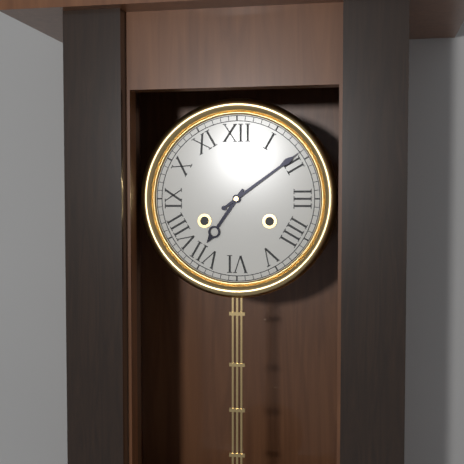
{"hour": 7, "minute": 9}
